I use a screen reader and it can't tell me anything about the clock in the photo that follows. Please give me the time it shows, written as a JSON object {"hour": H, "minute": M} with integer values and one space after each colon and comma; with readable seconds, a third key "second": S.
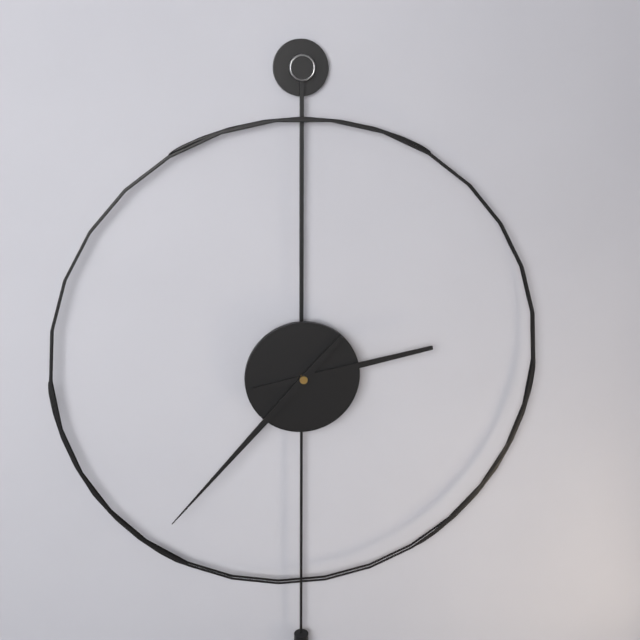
{"hour": 2, "minute": 37}
